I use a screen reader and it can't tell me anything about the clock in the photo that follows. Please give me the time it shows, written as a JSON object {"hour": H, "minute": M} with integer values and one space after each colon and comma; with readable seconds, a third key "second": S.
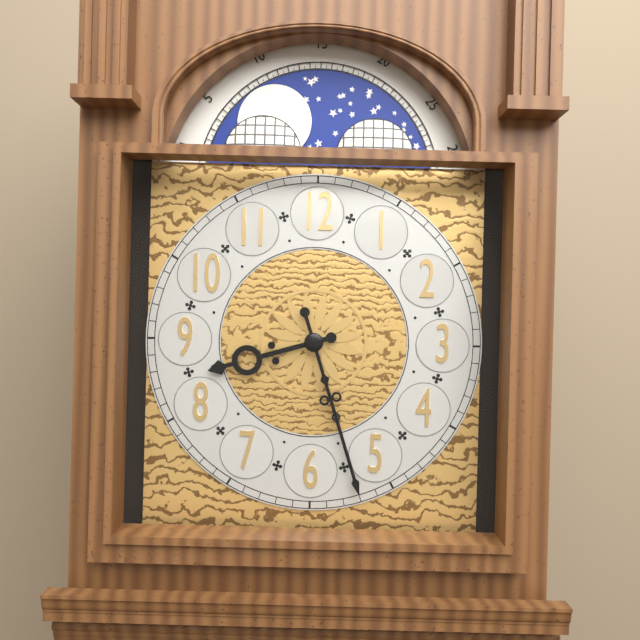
{"hour": 8, "minute": 27}
